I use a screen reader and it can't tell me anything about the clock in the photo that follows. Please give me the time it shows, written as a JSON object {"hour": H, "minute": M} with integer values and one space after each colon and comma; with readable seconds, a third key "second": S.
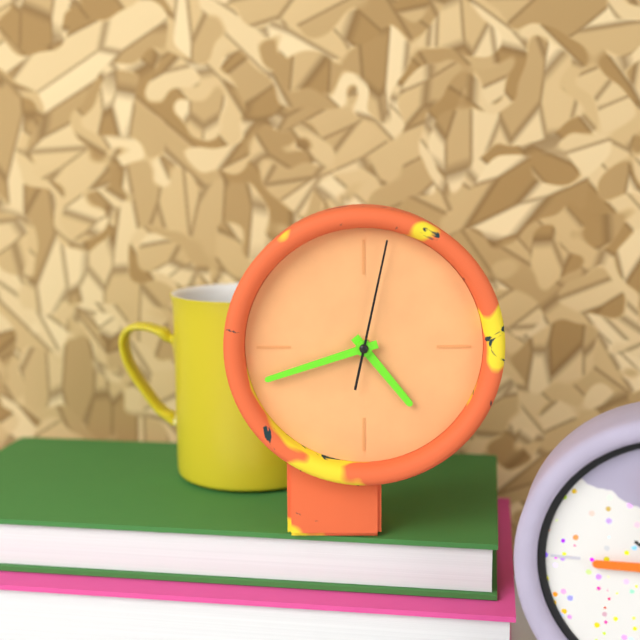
{"hour": 4, "minute": 42, "second": 2}
